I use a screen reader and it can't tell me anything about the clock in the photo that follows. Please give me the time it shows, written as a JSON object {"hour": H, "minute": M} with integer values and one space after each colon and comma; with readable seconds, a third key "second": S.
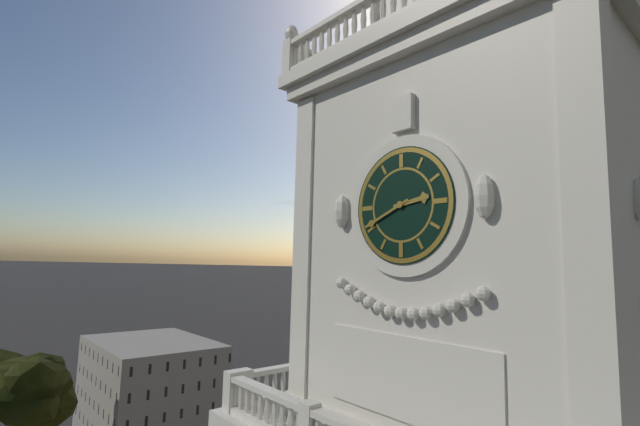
{"hour": 2, "minute": 41}
